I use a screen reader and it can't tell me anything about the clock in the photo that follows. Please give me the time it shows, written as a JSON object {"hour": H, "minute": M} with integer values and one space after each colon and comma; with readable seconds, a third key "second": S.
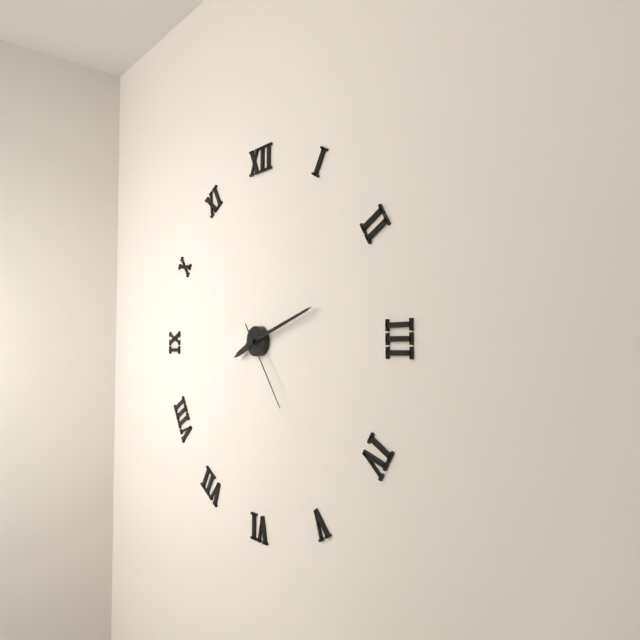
{"hour": 8, "minute": 12, "second": 24}
